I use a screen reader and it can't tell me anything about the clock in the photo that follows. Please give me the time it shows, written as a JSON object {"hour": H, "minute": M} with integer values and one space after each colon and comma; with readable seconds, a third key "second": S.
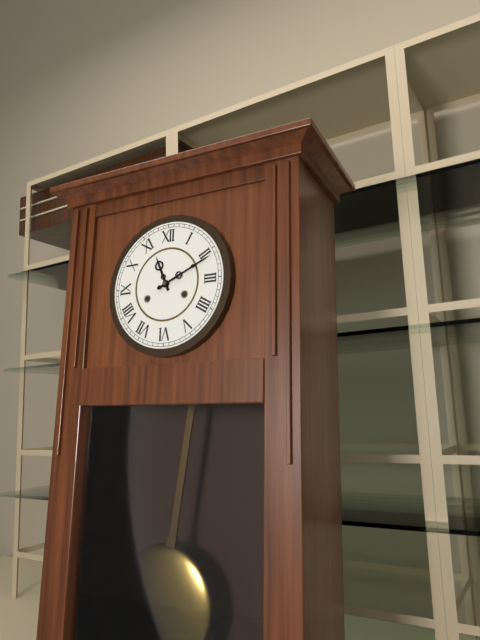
{"hour": 11, "minute": 11}
